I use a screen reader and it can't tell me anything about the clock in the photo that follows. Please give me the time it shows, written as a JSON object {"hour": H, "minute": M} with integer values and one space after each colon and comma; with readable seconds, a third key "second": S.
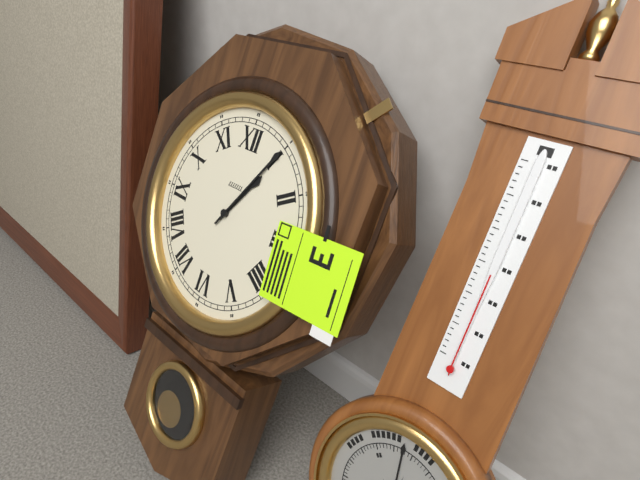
{"hour": 1, "minute": 5}
